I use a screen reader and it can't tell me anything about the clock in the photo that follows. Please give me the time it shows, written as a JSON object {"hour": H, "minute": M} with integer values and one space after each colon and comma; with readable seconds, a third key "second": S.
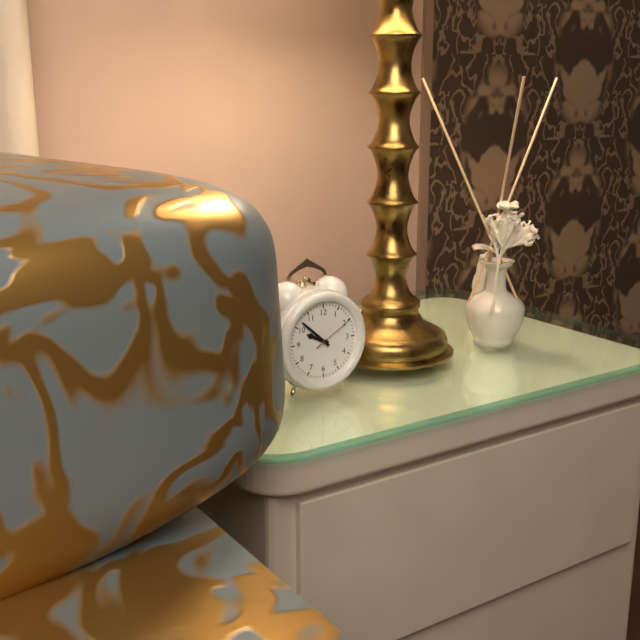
{"hour": 9, "minute": 52}
